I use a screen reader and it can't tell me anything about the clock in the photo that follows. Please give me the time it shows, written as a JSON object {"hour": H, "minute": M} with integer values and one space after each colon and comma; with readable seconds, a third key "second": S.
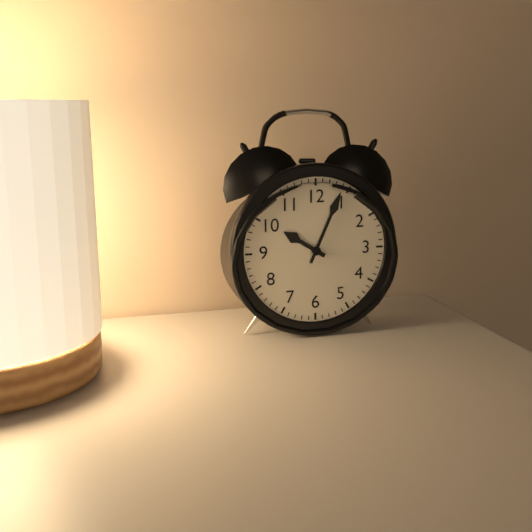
{"hour": 10, "minute": 4}
